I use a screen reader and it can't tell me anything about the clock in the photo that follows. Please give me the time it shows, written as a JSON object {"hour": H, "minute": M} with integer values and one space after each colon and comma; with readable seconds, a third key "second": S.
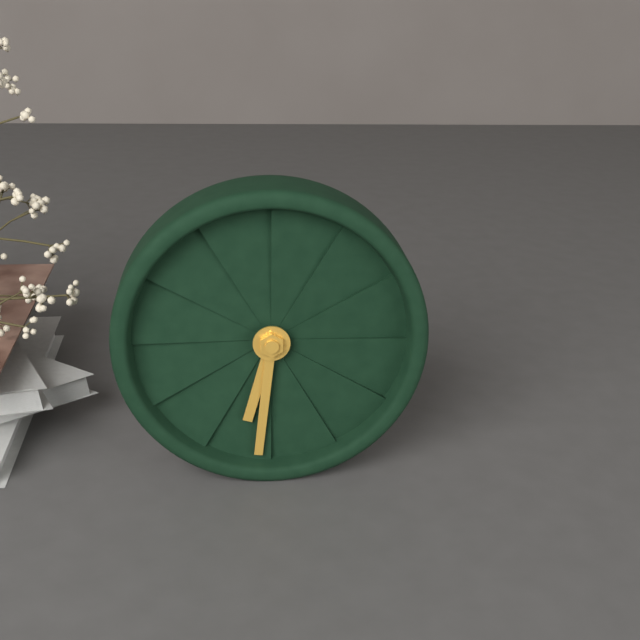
{"hour": 6, "minute": 31}
